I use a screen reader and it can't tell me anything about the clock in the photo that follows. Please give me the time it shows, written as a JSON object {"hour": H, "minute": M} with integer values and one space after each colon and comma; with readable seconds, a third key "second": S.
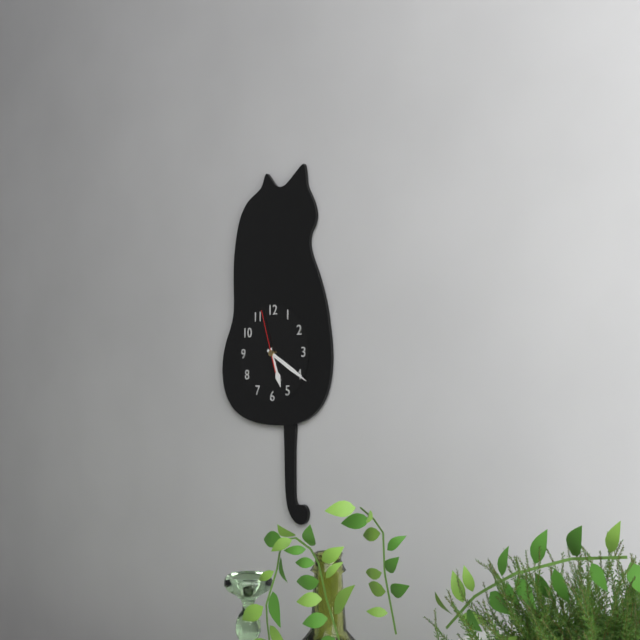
{"hour": 5, "minute": 20, "second": 57}
